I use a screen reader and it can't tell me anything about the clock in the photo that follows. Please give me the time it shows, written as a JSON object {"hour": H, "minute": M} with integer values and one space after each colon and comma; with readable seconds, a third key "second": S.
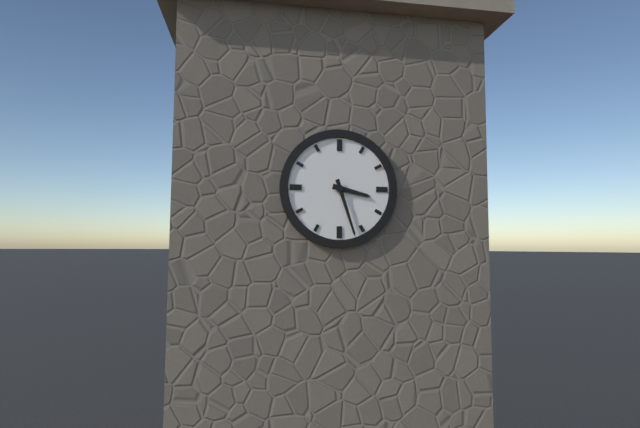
{"hour": 3, "minute": 27}
